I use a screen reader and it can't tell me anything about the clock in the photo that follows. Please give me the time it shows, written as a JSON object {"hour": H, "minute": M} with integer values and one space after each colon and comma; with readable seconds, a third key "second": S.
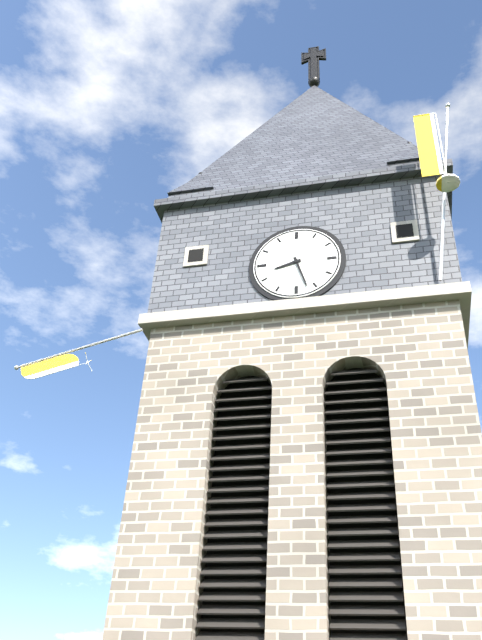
{"hour": 8, "minute": 27}
